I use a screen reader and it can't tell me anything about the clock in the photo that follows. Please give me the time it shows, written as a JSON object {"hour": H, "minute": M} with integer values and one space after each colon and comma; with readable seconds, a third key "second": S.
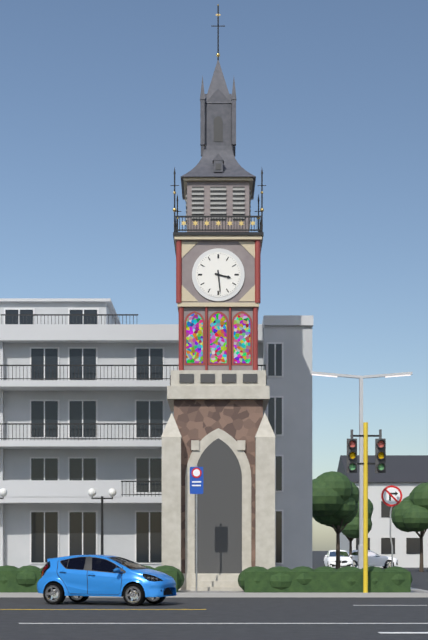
{"hour": 3, "minute": 29}
